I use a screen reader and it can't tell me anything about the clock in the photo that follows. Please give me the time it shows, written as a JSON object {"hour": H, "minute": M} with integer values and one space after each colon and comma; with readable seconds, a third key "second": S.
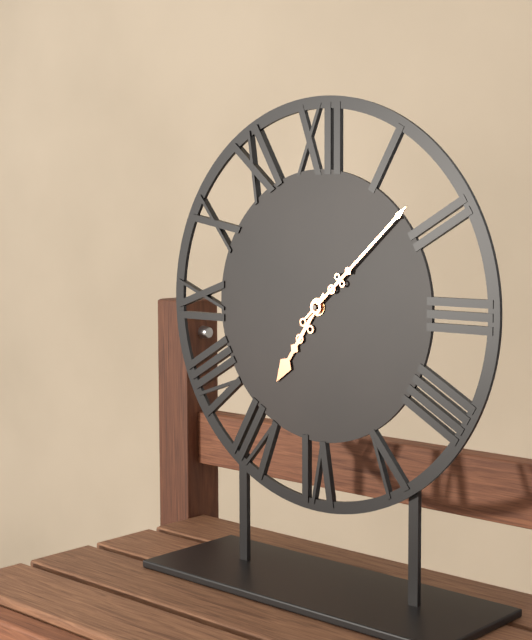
{"hour": 7, "minute": 8}
